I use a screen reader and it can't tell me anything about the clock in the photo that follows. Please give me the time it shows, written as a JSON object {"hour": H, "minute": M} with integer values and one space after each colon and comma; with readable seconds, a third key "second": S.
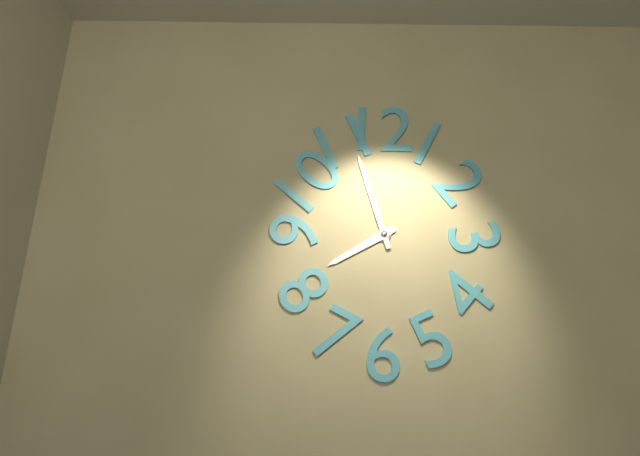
{"hour": 7, "minute": 57}
